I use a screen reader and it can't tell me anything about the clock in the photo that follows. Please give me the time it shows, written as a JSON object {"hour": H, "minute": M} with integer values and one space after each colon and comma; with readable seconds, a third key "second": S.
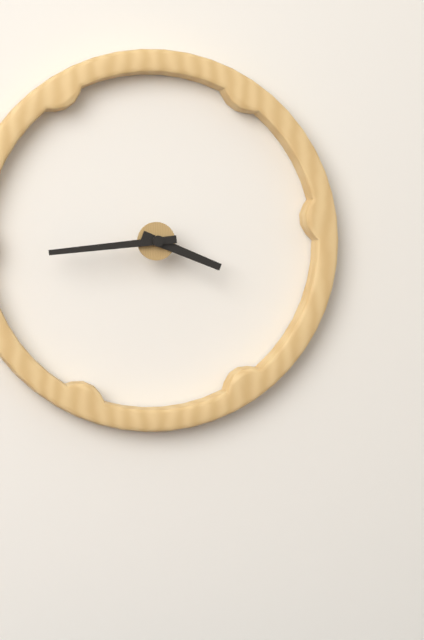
{"hour": 3, "minute": 44}
